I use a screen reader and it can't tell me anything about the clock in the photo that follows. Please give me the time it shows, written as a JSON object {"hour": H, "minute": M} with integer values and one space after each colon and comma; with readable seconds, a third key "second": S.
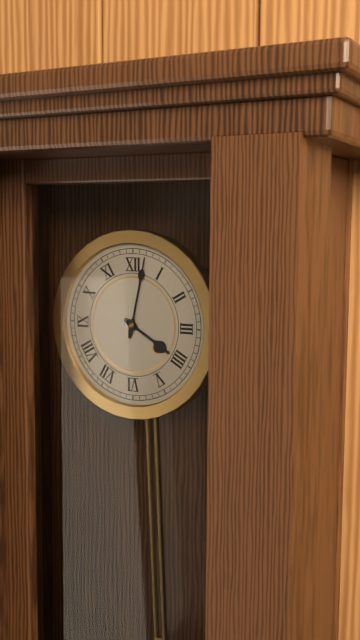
{"hour": 4, "minute": 2}
